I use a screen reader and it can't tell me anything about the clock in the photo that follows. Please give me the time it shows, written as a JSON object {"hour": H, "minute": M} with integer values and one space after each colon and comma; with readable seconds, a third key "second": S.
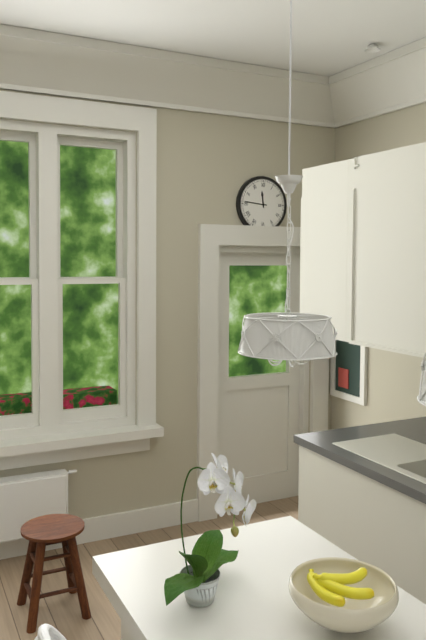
{"hour": 11, "minute": 46}
